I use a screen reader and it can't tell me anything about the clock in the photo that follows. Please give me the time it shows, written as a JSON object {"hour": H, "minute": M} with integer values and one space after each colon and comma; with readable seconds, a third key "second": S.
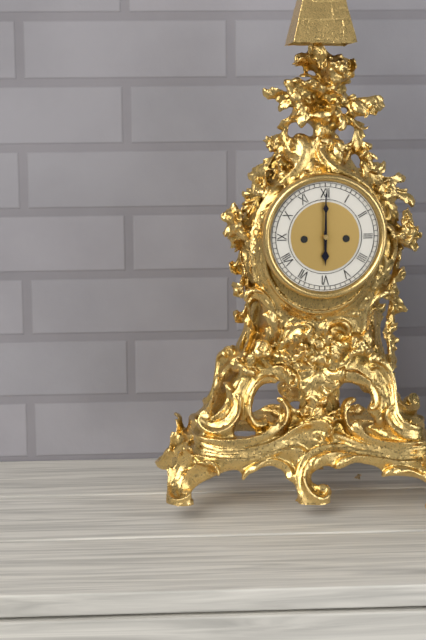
{"hour": 6, "minute": 0}
